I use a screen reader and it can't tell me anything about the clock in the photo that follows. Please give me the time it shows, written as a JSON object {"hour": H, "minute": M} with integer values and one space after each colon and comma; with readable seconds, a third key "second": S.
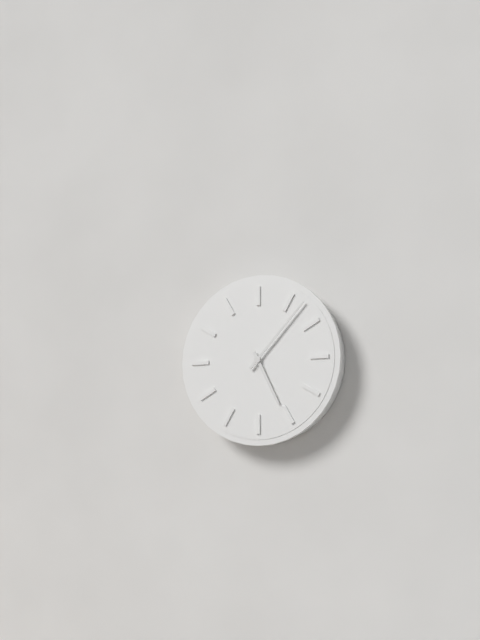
{"hour": 5, "minute": 7}
